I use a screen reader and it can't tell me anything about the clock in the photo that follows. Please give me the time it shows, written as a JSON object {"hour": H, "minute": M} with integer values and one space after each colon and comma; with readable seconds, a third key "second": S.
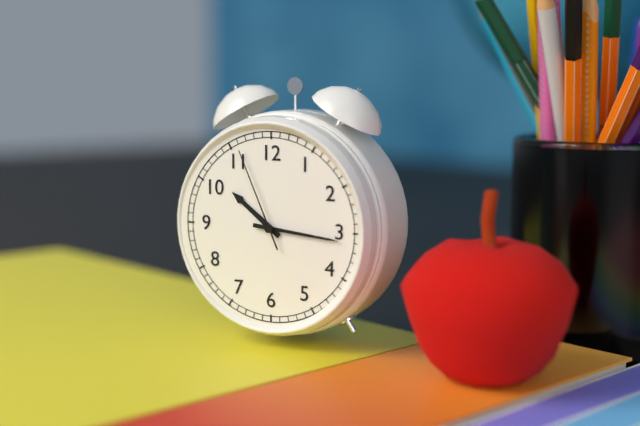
{"hour": 10, "minute": 16, "second": 56}
